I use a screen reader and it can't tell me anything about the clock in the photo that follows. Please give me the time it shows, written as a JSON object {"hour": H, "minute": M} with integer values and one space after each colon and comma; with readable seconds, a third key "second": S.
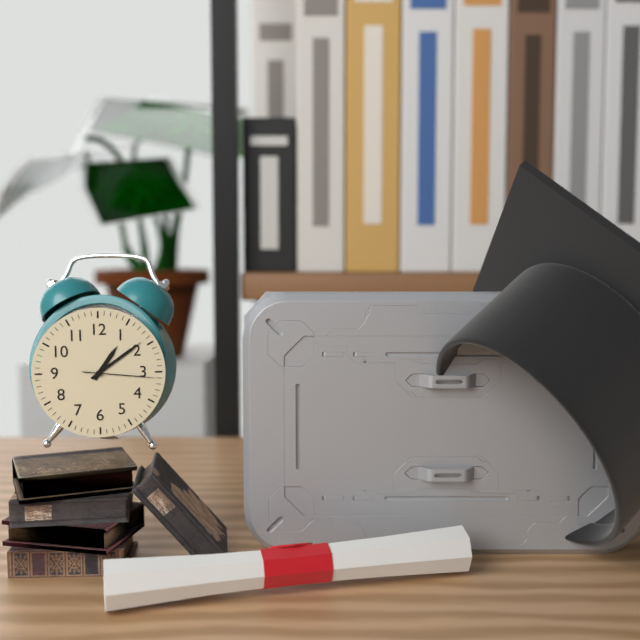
{"hour": 1, "minute": 9, "second": 16}
